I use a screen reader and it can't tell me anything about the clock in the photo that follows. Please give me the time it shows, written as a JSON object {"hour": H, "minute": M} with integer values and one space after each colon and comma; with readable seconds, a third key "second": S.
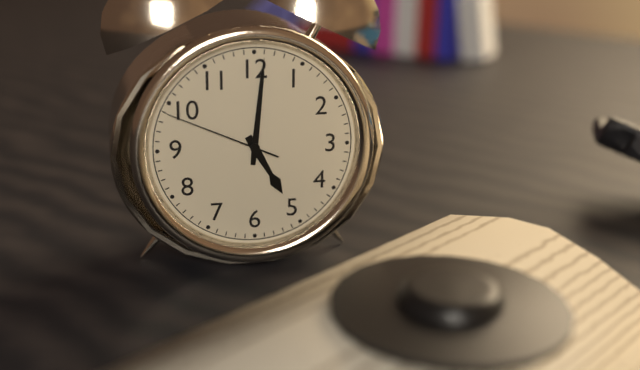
{"hour": 5, "minute": 1, "second": 49}
